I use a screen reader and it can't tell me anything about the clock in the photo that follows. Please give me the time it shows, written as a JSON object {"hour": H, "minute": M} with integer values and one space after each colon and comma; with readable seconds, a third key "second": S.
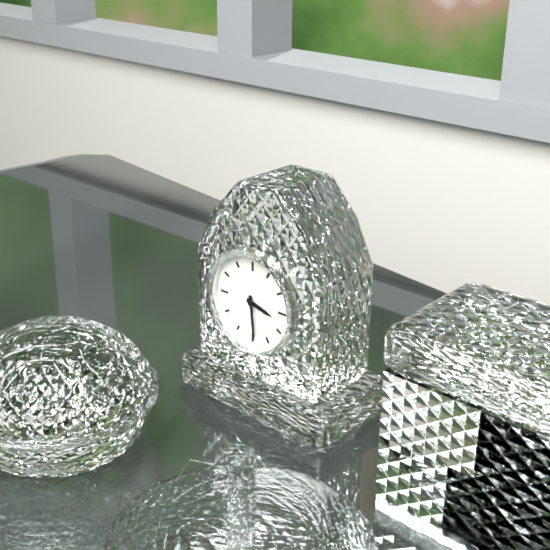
{"hour": 3, "minute": 29}
